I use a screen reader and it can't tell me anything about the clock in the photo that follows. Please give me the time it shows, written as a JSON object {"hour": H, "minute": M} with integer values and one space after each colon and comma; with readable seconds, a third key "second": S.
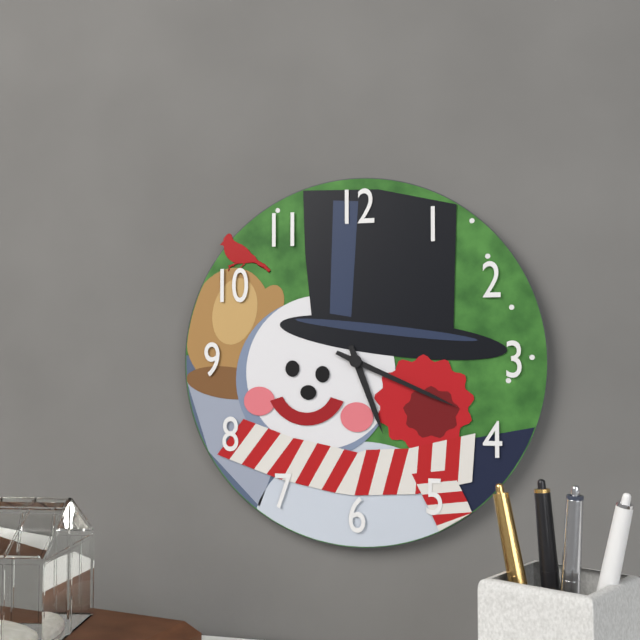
{"hour": 5, "minute": 19}
